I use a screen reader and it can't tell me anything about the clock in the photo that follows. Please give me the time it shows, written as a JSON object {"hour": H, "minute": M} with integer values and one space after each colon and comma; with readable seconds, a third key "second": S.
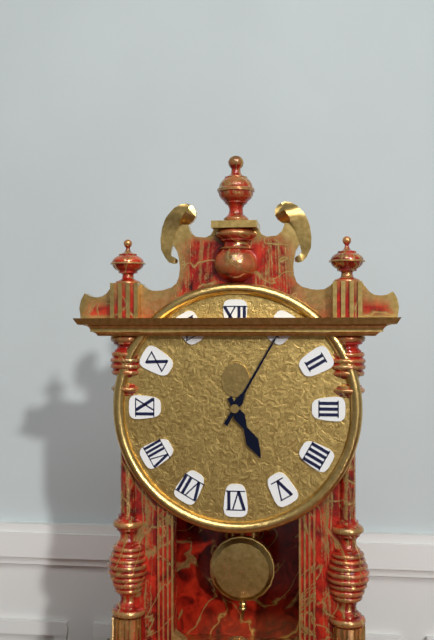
{"hour": 5, "minute": 5}
